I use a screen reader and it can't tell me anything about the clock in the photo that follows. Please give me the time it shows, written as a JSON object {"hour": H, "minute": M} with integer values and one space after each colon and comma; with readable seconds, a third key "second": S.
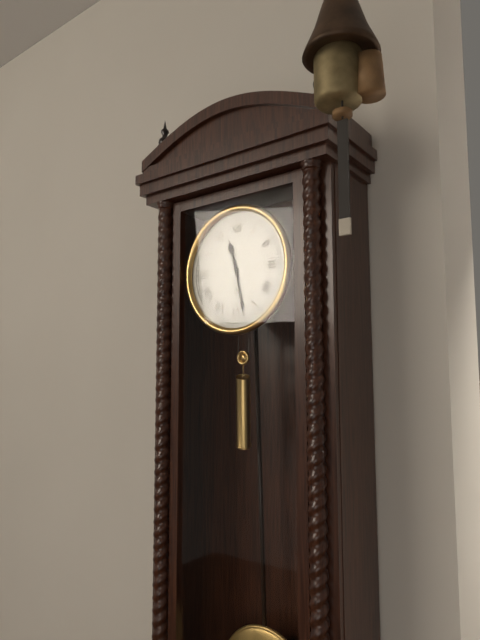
{"hour": 11, "minute": 28}
